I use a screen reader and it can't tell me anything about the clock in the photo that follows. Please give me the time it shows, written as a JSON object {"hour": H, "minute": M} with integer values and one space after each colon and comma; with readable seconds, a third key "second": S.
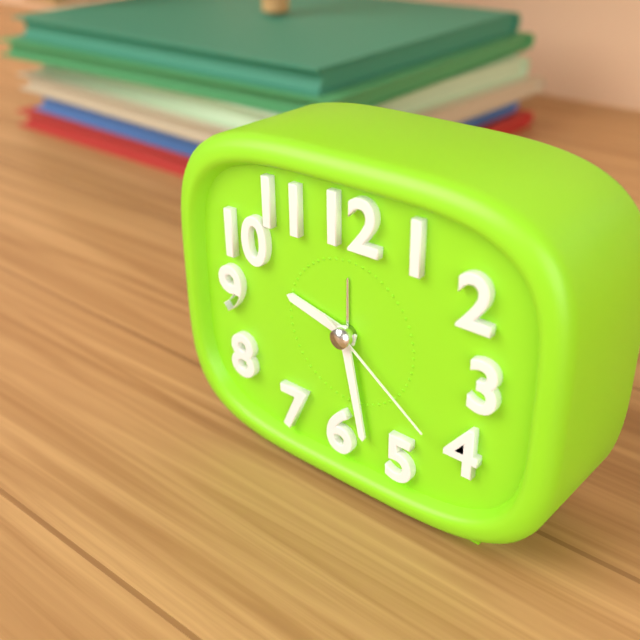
{"hour": 9, "minute": 28, "second": 21}
